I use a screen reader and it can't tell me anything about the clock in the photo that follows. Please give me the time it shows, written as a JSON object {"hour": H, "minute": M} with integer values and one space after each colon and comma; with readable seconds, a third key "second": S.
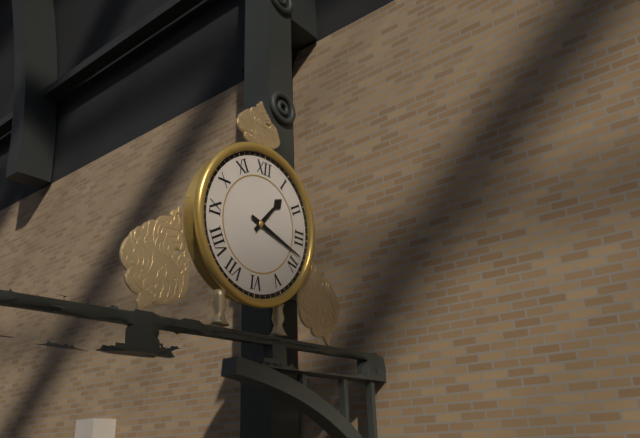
{"hour": 1, "minute": 18}
